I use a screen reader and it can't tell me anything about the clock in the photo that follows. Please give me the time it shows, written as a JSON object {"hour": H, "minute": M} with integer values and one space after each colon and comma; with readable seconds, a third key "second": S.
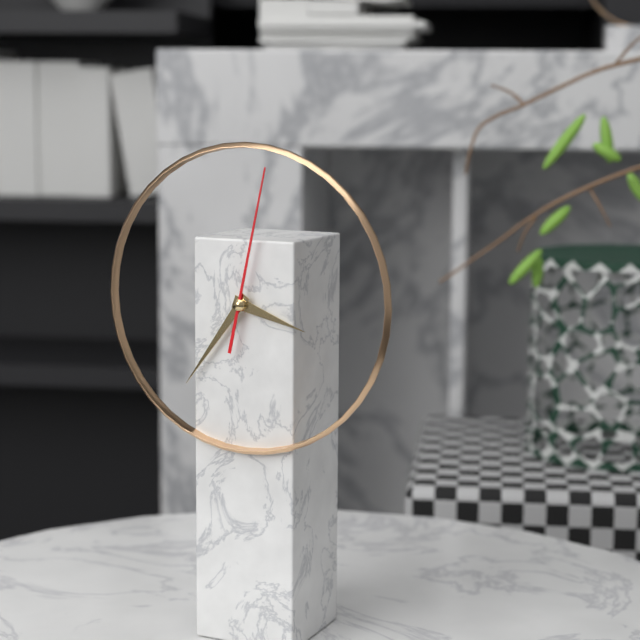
{"hour": 3, "minute": 36, "second": 2}
